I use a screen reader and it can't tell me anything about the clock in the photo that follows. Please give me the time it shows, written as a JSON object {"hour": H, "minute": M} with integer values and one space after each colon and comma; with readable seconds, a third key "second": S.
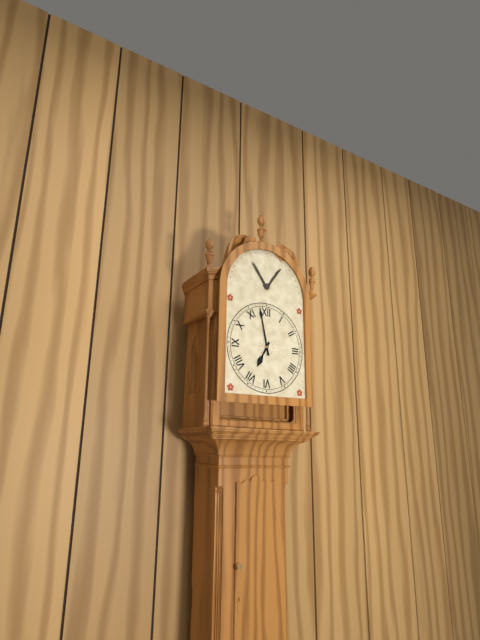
{"hour": 6, "minute": 58}
